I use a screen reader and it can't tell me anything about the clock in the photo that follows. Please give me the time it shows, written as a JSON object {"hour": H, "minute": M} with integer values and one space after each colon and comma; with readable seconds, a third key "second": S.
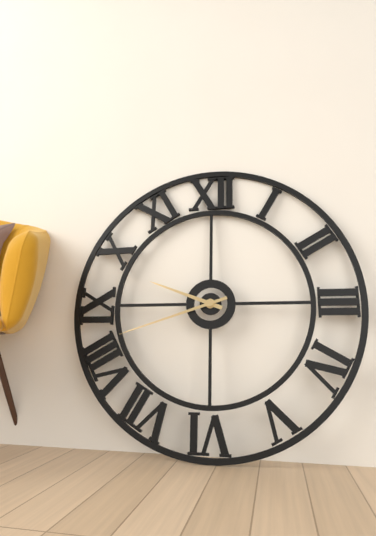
{"hour": 9, "minute": 42}
